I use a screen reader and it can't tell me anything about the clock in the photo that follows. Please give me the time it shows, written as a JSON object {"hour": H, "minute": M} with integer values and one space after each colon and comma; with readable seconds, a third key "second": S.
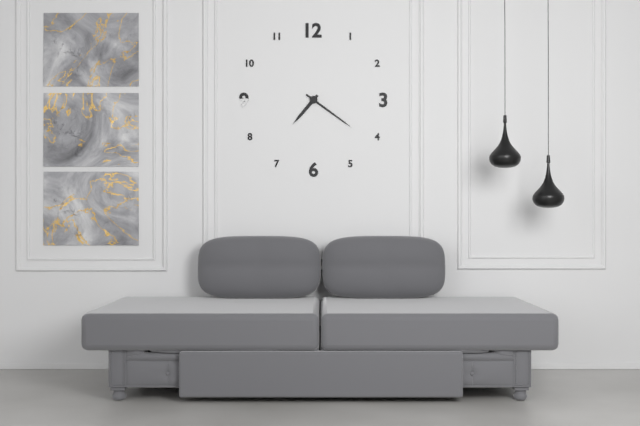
{"hour": 7, "minute": 21}
